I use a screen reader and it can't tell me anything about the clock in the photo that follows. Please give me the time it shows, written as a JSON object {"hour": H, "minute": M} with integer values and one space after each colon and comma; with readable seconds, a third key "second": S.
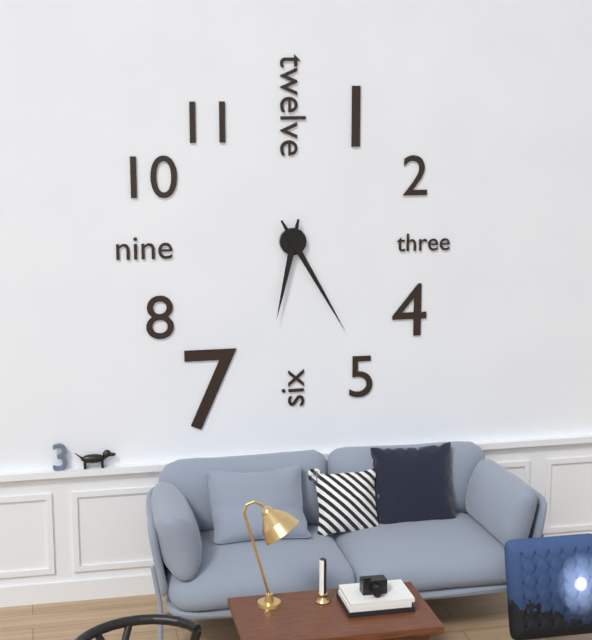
{"hour": 6, "minute": 25}
